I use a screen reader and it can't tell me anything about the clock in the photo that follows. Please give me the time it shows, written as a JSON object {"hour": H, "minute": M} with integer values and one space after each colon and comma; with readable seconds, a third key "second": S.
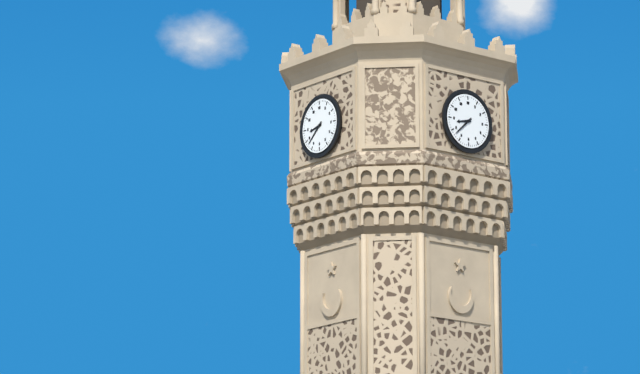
{"hour": 8, "minute": 38}
